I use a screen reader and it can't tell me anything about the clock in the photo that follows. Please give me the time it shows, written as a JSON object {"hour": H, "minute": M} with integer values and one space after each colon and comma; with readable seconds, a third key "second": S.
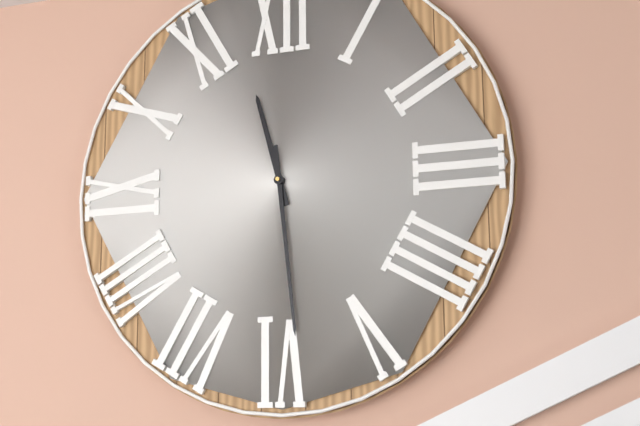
{"hour": 11, "minute": 29}
